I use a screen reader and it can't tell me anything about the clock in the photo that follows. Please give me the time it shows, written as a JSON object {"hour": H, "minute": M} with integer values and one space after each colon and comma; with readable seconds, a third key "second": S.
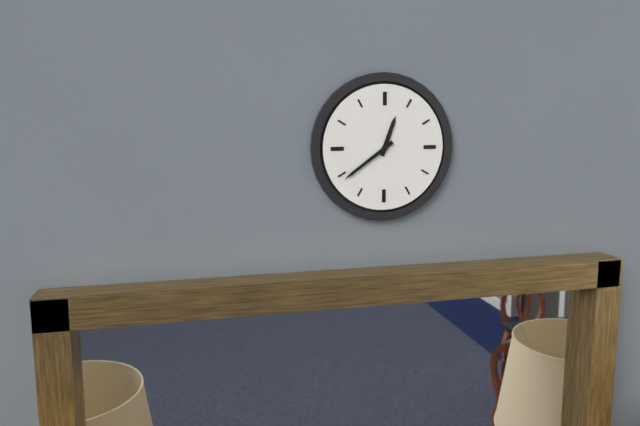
{"hour": 12, "minute": 39}
